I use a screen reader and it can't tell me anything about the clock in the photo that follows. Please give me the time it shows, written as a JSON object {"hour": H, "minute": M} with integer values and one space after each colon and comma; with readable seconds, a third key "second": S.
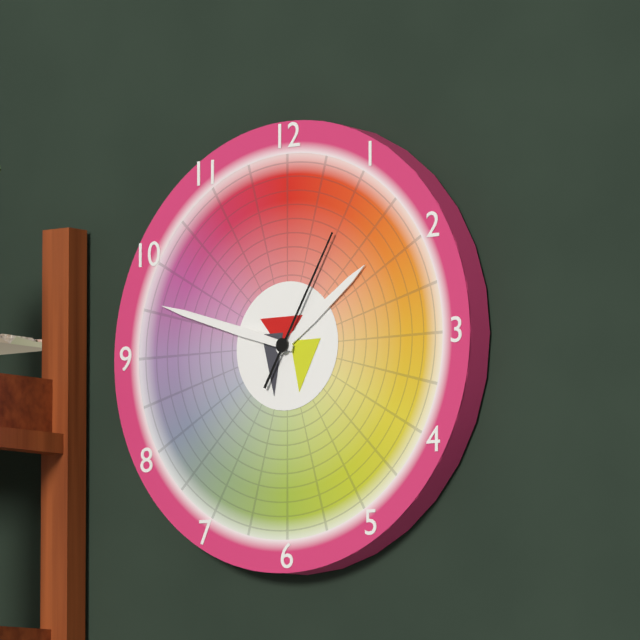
{"hour": 1, "minute": 48, "second": 5}
